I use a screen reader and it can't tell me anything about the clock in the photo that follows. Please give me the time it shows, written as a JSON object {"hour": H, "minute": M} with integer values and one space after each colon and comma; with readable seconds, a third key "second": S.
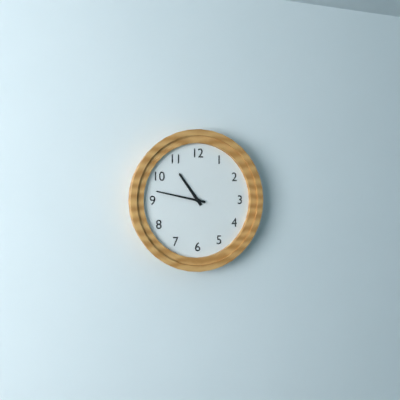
{"hour": 10, "minute": 47}
